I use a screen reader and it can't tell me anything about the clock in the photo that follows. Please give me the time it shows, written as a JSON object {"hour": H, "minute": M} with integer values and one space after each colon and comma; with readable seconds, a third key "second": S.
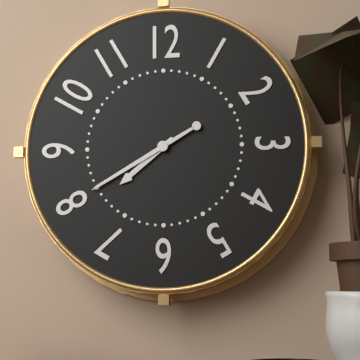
{"hour": 7, "minute": 40}
